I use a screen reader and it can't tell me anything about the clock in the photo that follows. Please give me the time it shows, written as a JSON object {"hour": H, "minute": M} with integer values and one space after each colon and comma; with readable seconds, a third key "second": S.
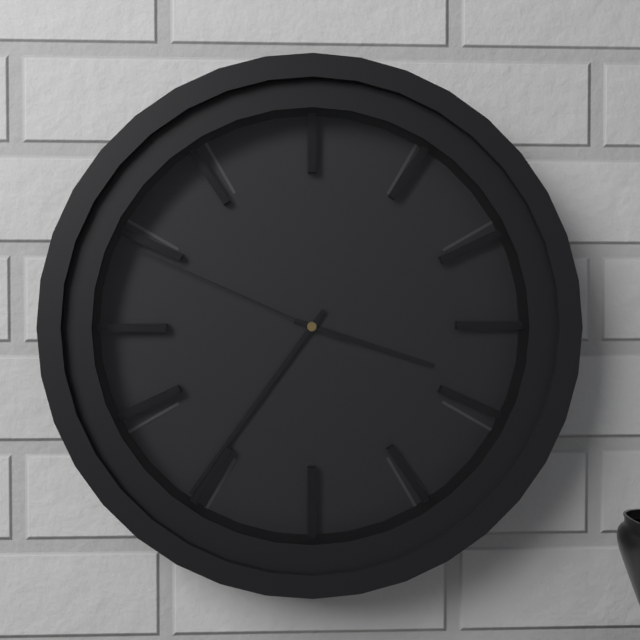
{"hour": 3, "minute": 36, "second": 49}
